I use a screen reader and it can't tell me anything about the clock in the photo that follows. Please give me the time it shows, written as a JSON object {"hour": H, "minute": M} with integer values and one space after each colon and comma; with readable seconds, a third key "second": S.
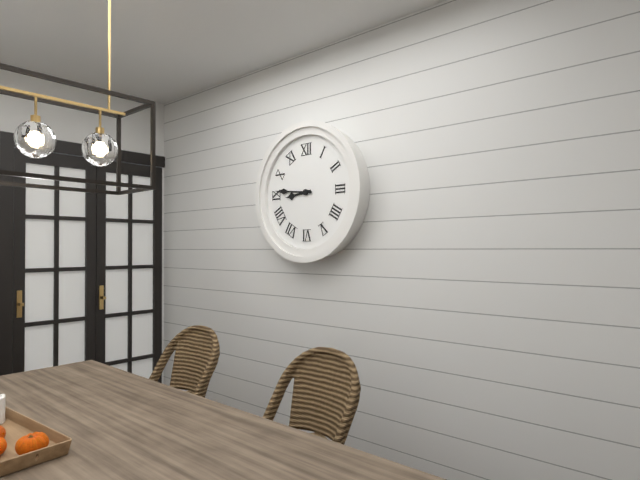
{"hour": 8, "minute": 46}
